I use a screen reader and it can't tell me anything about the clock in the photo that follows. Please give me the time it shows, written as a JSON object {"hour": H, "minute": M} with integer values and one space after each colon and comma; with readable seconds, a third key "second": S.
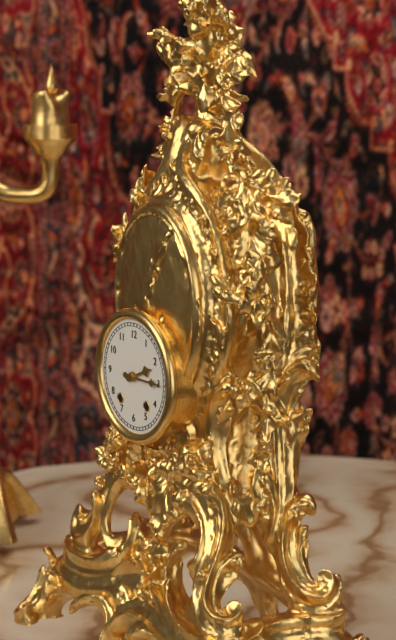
{"hour": 2, "minute": 15}
